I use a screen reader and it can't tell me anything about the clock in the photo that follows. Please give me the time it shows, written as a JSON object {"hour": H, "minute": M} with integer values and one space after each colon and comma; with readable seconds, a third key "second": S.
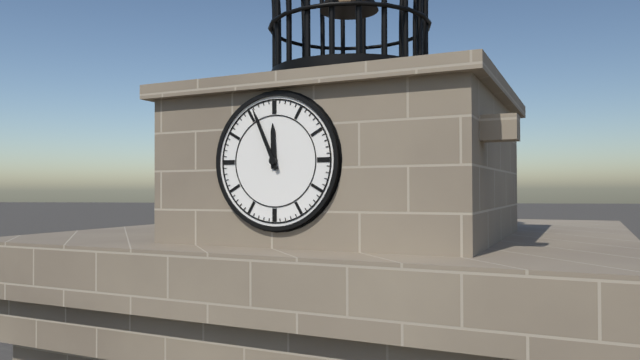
{"hour": 11, "minute": 56}
